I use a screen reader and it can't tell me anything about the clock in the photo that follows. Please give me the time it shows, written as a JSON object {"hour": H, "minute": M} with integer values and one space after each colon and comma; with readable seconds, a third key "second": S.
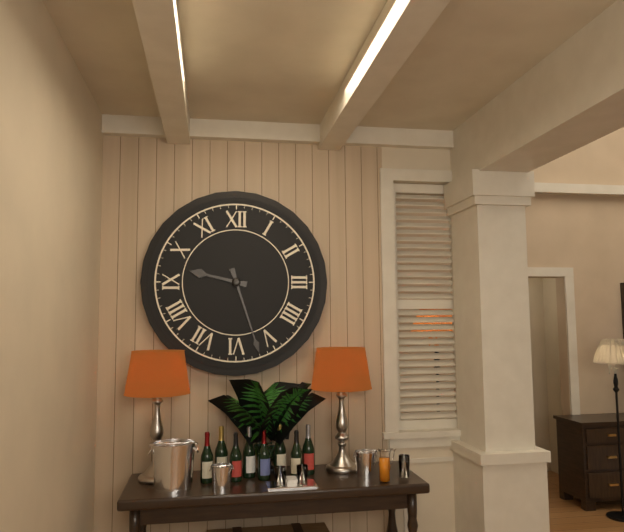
{"hour": 9, "minute": 27}
